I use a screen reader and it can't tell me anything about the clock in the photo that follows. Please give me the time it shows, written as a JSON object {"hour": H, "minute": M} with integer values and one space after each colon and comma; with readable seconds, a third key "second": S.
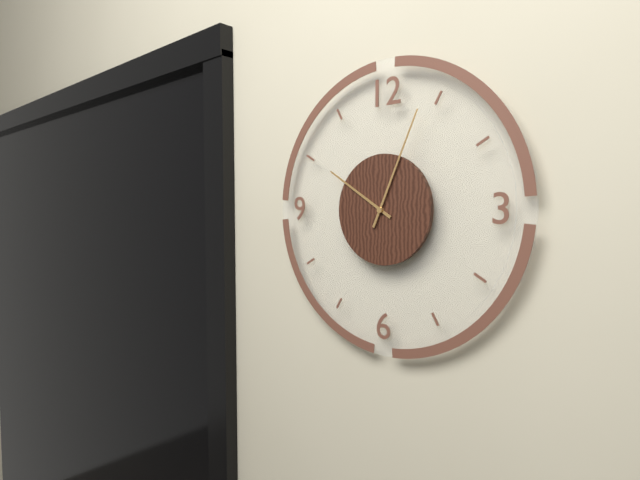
{"hour": 10, "minute": 4}
